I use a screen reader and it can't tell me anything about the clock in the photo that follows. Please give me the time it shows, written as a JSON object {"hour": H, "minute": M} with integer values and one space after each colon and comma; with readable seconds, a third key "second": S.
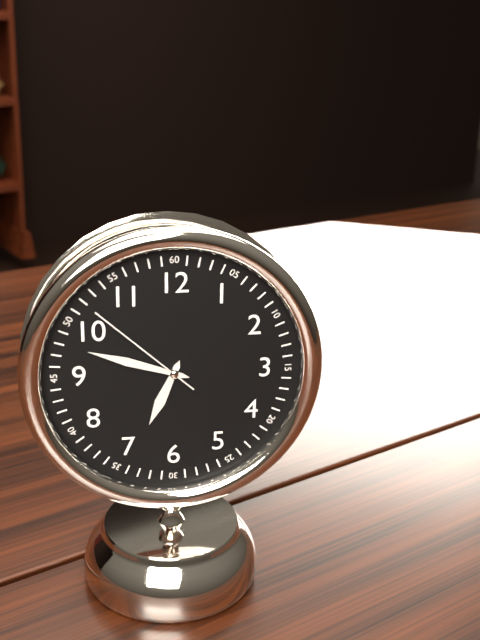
{"hour": 6, "minute": 48, "second": 52}
